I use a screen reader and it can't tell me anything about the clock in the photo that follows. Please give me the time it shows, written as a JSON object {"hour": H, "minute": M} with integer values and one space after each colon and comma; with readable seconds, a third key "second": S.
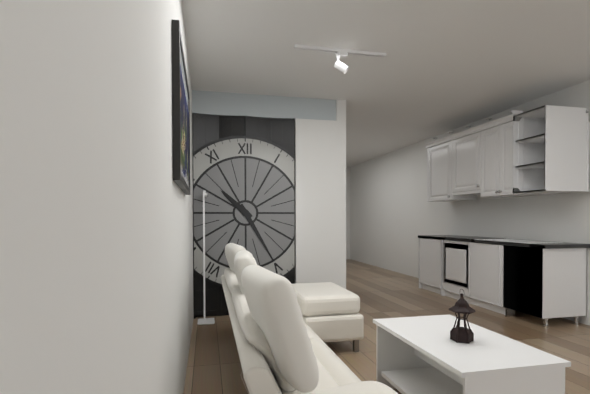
{"hour": 10, "minute": 25}
